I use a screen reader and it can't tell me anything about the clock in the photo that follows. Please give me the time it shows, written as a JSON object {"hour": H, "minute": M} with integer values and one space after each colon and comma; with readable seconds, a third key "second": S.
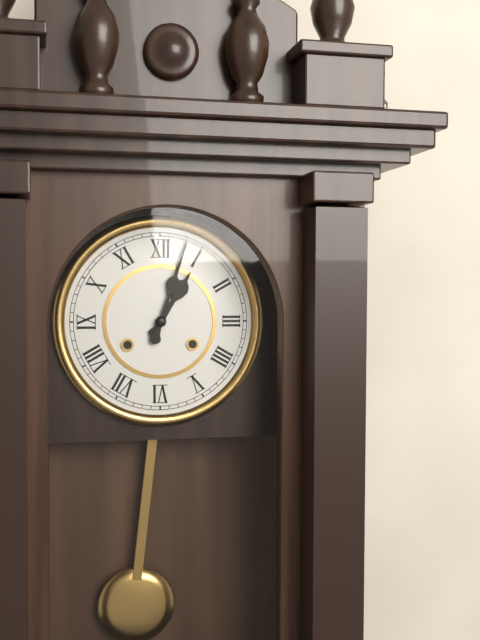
{"hour": 1, "minute": 3}
